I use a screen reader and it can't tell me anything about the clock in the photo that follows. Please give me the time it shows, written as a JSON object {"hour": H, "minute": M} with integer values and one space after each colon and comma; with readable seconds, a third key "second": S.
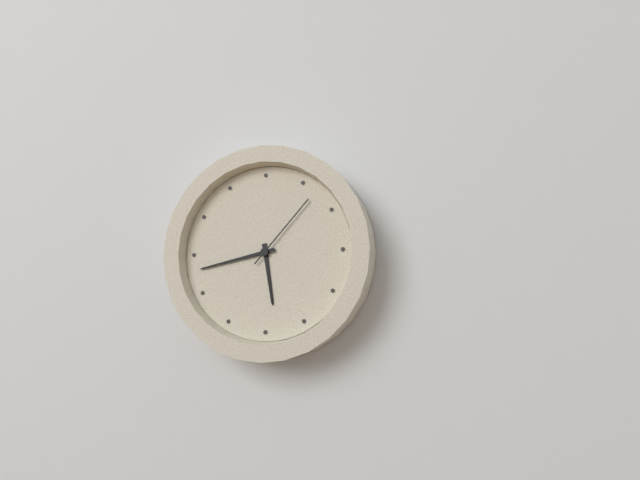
{"hour": 5, "minute": 43, "second": 7}
